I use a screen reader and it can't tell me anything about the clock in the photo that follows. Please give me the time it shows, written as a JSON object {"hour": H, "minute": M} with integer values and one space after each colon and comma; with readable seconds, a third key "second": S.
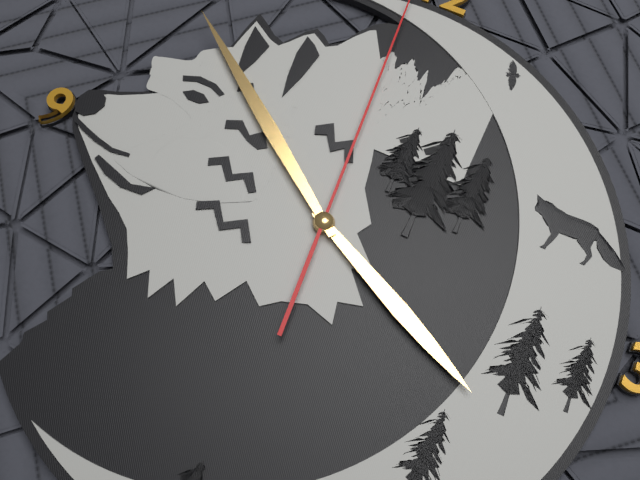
{"hour": 3, "minute": 51}
